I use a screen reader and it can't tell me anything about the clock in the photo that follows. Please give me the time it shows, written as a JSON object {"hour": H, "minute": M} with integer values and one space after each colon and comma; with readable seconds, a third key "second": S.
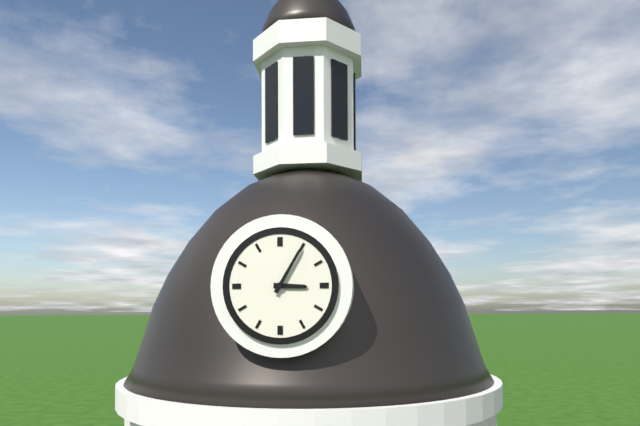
{"hour": 3, "minute": 5}
